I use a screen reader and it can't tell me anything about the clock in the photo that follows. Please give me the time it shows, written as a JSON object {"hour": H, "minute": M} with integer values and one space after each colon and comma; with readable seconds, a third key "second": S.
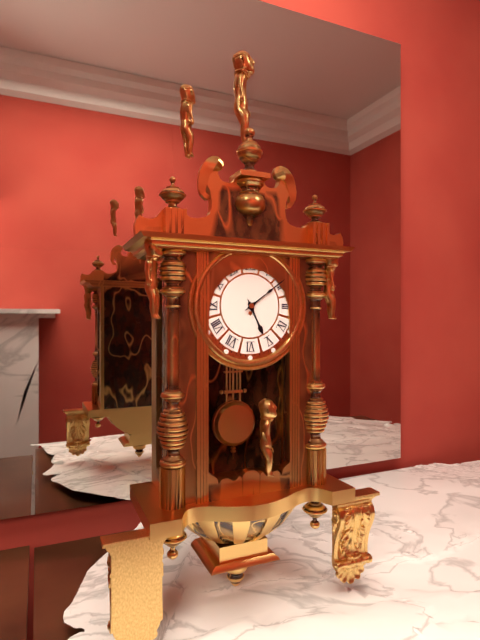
{"hour": 5, "minute": 9}
